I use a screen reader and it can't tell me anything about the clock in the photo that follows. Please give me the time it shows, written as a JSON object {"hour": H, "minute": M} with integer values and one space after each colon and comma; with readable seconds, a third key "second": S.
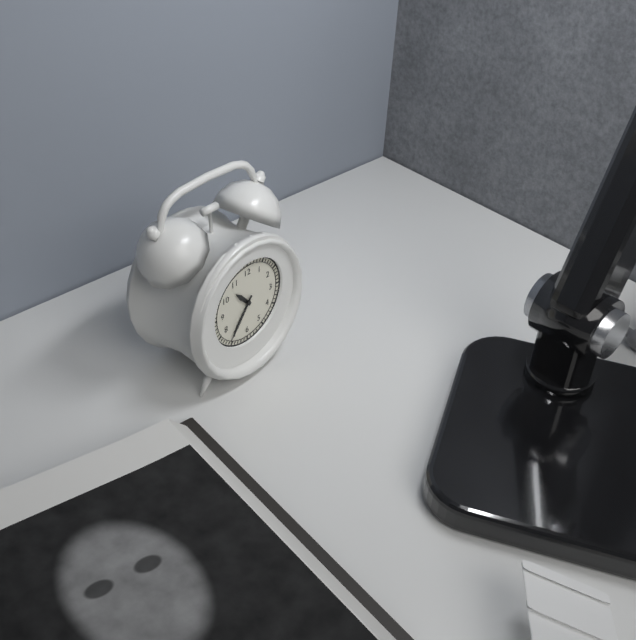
{"hour": 10, "minute": 36}
